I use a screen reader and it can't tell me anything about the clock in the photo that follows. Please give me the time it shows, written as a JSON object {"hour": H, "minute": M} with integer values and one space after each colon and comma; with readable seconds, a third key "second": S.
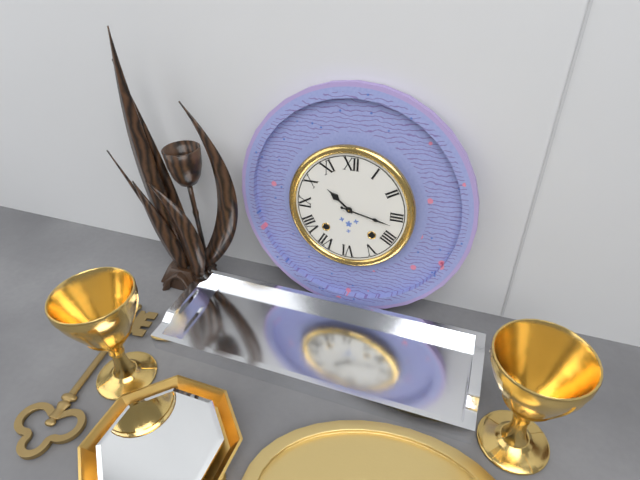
{"hour": 10, "minute": 17}
